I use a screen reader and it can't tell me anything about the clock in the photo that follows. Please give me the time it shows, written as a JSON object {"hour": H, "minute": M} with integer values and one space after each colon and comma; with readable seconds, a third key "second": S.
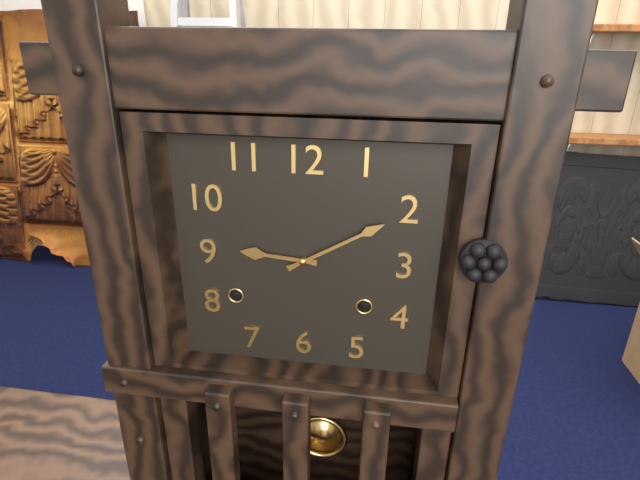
{"hour": 9, "minute": 10}
